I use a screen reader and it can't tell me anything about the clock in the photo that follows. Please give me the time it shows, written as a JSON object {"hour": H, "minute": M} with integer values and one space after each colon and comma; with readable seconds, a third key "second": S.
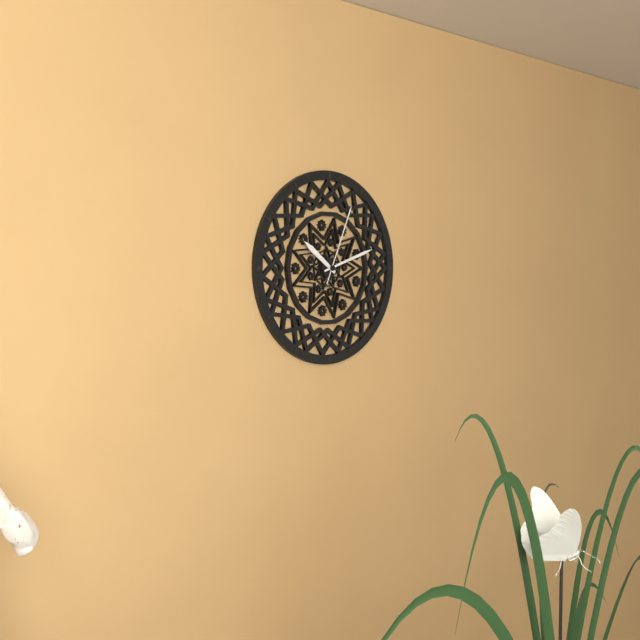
{"hour": 10, "minute": 12, "second": 4}
